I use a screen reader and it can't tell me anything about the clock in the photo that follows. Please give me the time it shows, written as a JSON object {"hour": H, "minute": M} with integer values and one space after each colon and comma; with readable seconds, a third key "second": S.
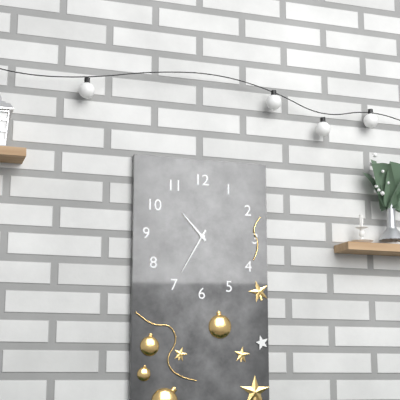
{"hour": 10, "minute": 35}
